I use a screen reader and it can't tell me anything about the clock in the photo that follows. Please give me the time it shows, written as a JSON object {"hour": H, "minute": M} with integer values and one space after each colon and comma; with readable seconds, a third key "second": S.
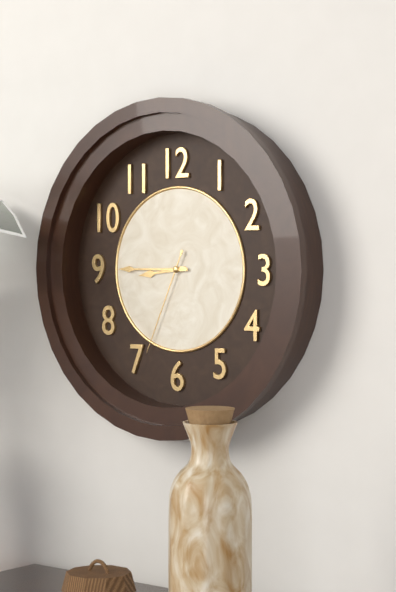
{"hour": 8, "minute": 45, "second": 34}
